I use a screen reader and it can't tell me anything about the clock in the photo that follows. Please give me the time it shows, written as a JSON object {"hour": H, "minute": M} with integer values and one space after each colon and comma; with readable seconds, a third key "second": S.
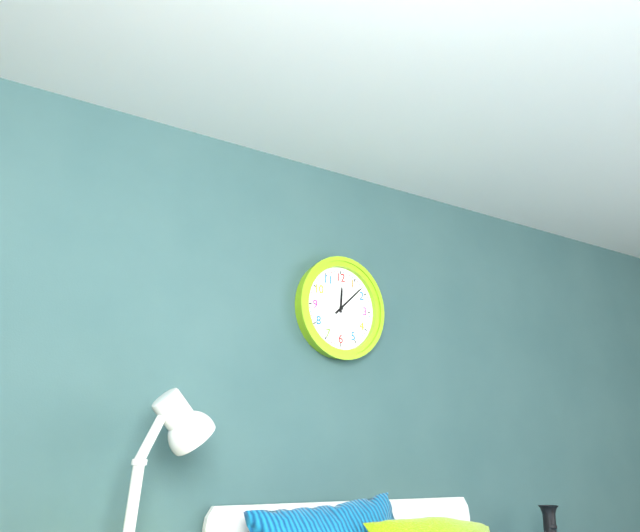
{"hour": 12, "minute": 8}
